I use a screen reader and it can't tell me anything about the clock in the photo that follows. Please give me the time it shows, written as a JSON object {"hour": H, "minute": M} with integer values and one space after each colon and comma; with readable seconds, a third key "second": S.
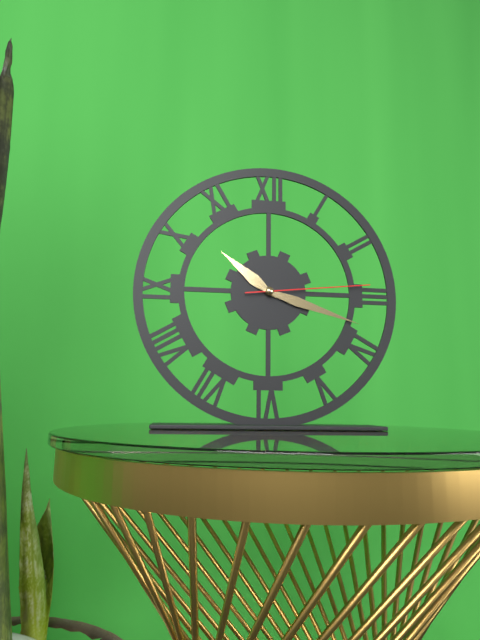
{"hour": 10, "minute": 18, "second": 14}
